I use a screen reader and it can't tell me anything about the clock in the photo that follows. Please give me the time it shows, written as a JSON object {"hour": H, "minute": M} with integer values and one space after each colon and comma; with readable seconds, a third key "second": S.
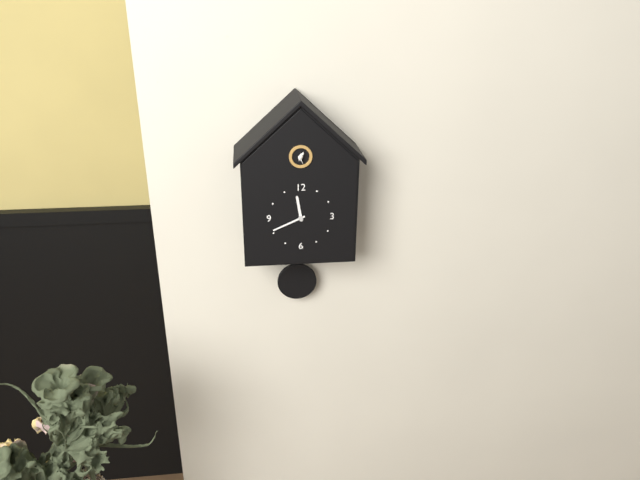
{"hour": 11, "minute": 41}
